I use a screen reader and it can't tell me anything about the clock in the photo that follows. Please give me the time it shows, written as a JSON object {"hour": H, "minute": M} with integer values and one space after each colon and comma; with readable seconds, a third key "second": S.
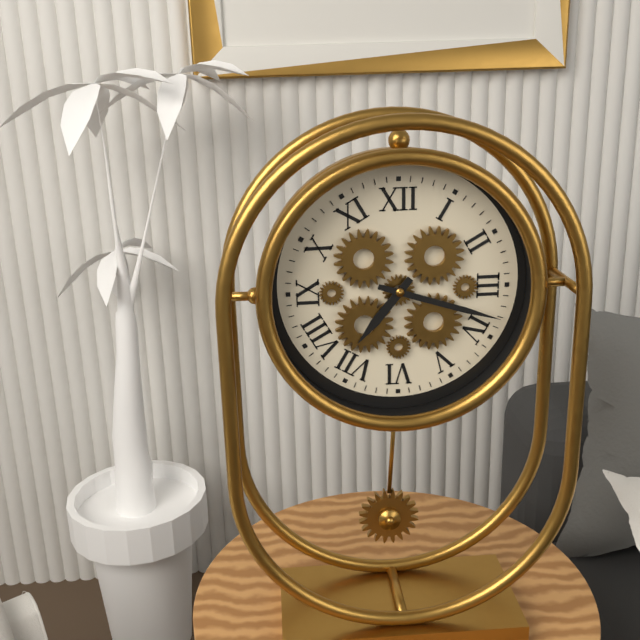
{"hour": 7, "minute": 18}
